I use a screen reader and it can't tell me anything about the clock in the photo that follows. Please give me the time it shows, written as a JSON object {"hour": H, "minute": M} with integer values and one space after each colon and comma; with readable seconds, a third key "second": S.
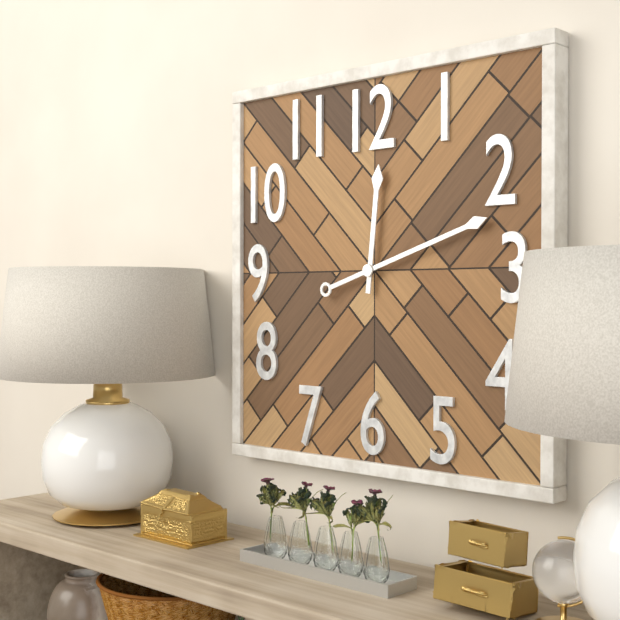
{"hour": 12, "minute": 12}
